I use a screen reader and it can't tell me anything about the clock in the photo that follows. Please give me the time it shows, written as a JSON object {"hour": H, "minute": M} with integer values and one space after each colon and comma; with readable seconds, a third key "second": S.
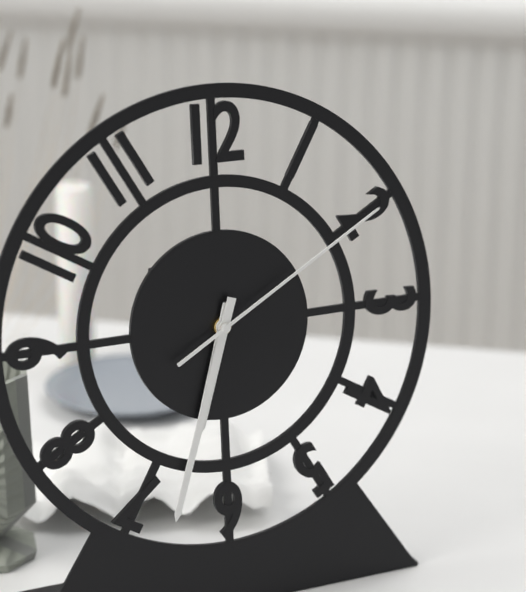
{"hour": 6, "minute": 33, "second": 10}
